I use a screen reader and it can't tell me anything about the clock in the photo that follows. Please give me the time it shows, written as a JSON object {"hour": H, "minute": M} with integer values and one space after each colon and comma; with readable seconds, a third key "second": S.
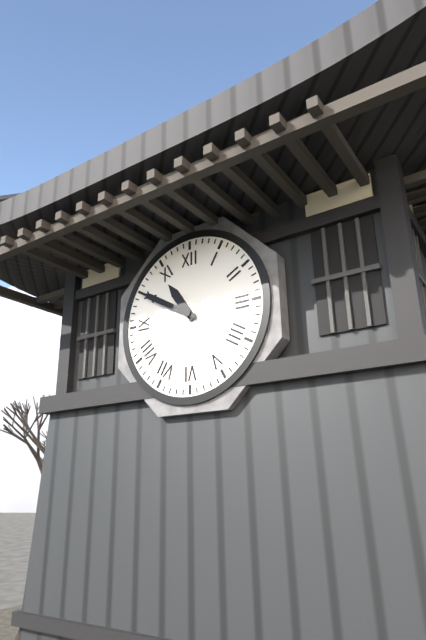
{"hour": 10, "minute": 50}
